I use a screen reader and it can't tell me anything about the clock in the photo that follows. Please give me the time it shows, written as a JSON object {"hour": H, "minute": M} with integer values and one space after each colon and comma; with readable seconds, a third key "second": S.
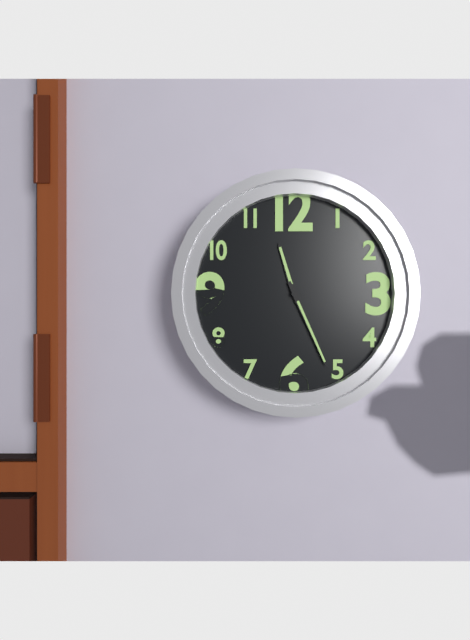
{"hour": 11, "minute": 26}
